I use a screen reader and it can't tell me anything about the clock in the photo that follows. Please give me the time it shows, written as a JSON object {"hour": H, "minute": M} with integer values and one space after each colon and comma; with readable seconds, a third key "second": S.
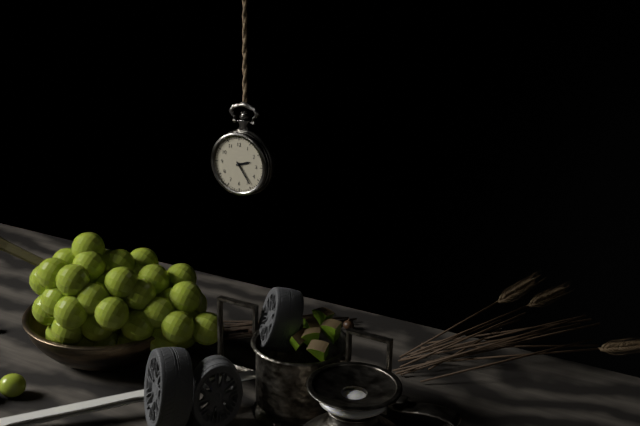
{"hour": 2, "minute": 24}
